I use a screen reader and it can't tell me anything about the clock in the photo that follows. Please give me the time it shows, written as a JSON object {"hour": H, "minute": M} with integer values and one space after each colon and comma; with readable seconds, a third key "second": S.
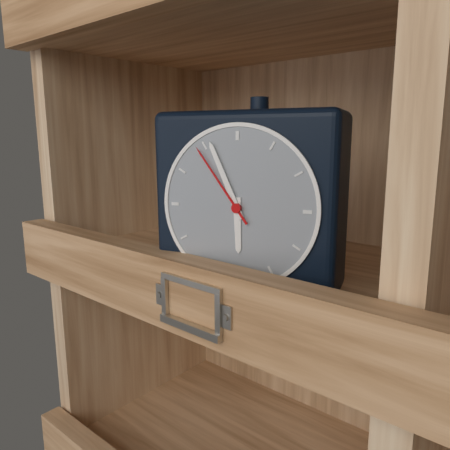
{"hour": 5, "minute": 56, "second": 54}
